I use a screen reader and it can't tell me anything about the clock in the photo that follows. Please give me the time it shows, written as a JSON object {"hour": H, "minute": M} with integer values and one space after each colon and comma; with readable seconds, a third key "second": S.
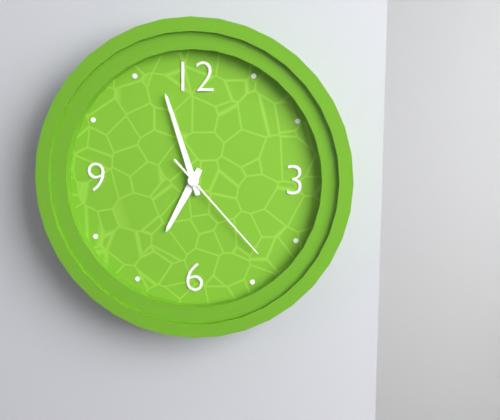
{"hour": 6, "minute": 57, "second": 23}
